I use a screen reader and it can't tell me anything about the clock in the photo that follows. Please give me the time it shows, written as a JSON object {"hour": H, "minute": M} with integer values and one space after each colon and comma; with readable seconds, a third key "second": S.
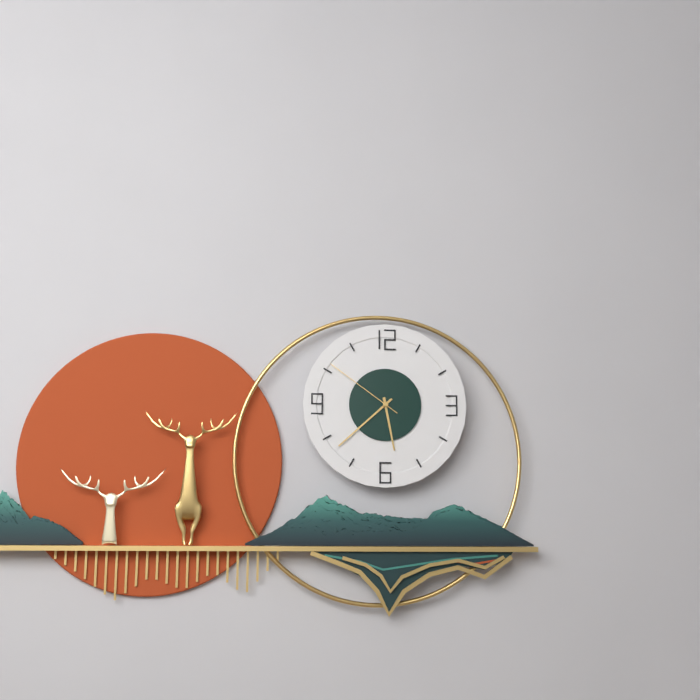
{"hour": 5, "minute": 38, "second": 51}
